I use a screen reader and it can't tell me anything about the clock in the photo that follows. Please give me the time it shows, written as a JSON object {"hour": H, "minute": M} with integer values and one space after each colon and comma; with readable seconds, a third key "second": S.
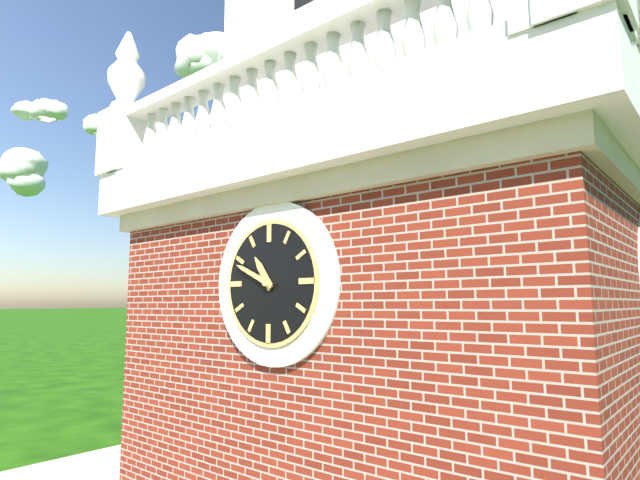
{"hour": 10, "minute": 49}
